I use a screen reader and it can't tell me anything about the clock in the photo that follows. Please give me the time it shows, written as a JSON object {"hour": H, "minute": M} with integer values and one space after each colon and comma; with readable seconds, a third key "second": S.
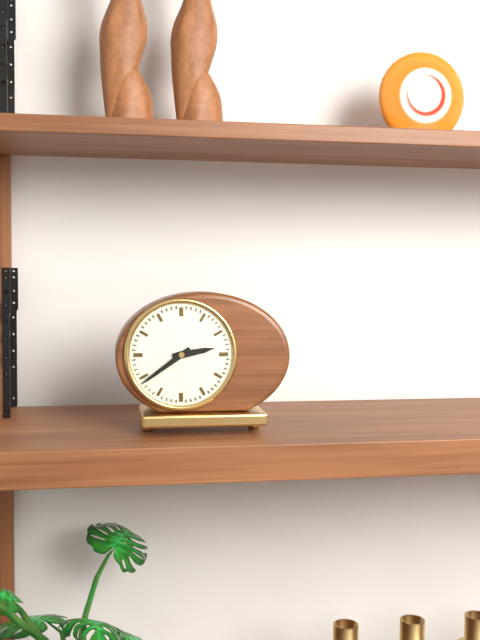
{"hour": 2, "minute": 39}
